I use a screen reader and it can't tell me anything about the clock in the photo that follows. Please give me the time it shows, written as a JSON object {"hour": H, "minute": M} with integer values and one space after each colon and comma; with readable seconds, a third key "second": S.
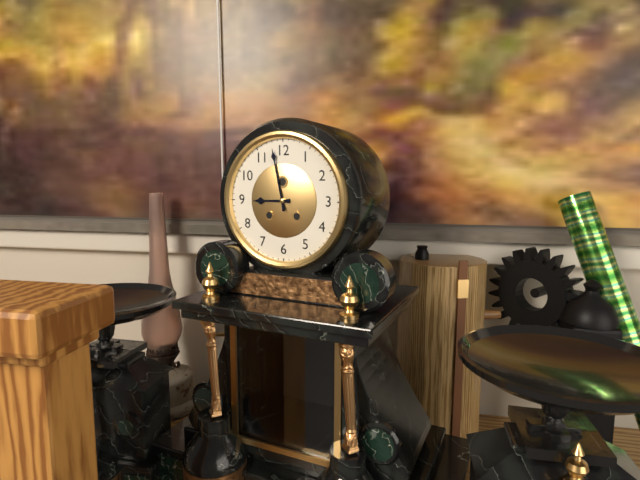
{"hour": 8, "minute": 58}
